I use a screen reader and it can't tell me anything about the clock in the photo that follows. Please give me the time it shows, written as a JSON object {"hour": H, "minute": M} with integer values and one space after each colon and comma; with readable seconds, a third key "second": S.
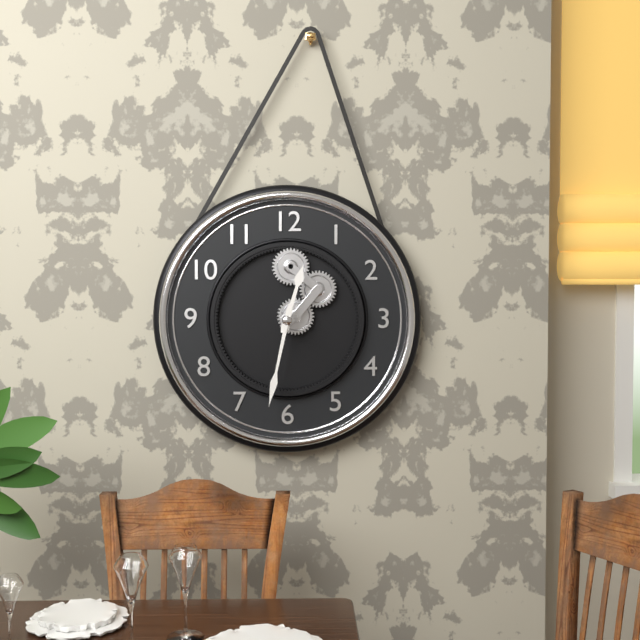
{"hour": 12, "minute": 32}
